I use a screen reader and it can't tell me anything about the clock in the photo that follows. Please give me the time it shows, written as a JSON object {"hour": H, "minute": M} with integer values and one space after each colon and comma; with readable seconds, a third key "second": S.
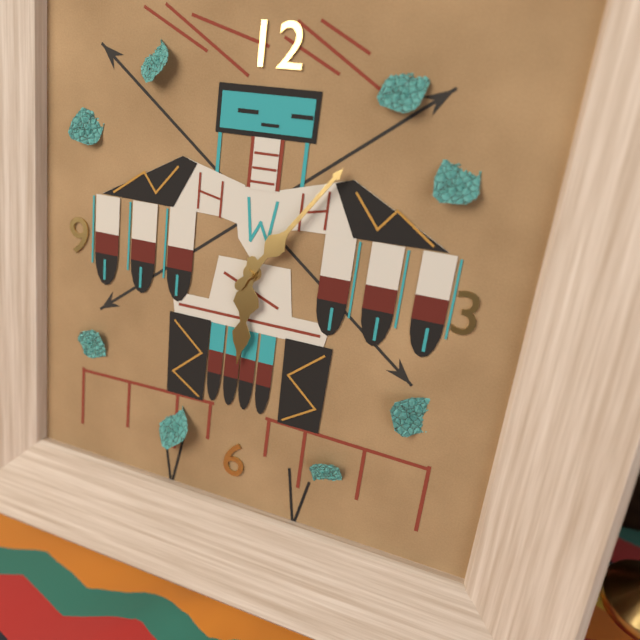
{"hour": 6, "minute": 6}
